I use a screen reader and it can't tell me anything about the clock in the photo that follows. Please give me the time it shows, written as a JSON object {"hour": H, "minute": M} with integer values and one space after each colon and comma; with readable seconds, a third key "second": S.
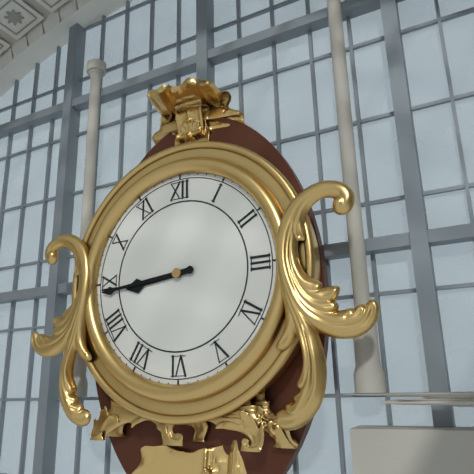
{"hour": 8, "minute": 44}
